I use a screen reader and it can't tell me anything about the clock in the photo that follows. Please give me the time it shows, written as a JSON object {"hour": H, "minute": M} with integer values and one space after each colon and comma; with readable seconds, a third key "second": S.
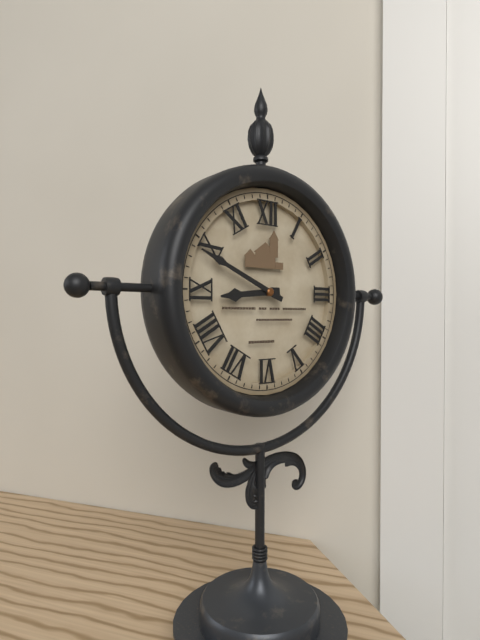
{"hour": 8, "minute": 49}
